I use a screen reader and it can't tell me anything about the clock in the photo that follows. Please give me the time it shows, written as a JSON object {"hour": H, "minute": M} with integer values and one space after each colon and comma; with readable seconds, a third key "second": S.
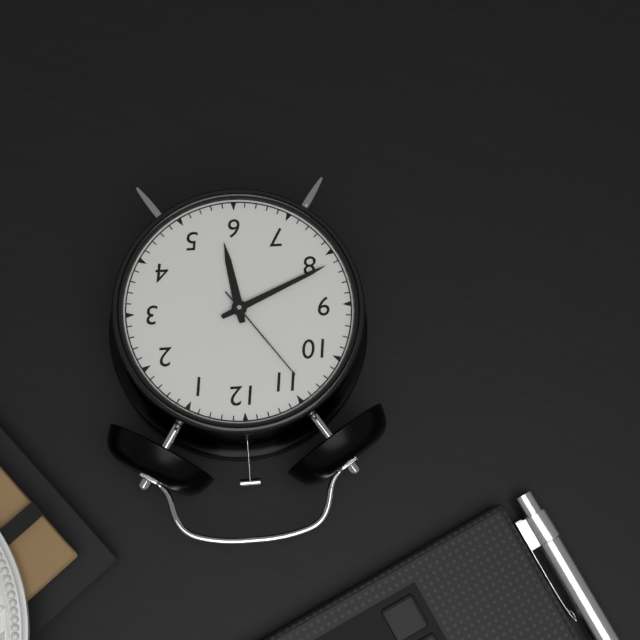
{"hour": 5, "minute": 41, "second": 54}
